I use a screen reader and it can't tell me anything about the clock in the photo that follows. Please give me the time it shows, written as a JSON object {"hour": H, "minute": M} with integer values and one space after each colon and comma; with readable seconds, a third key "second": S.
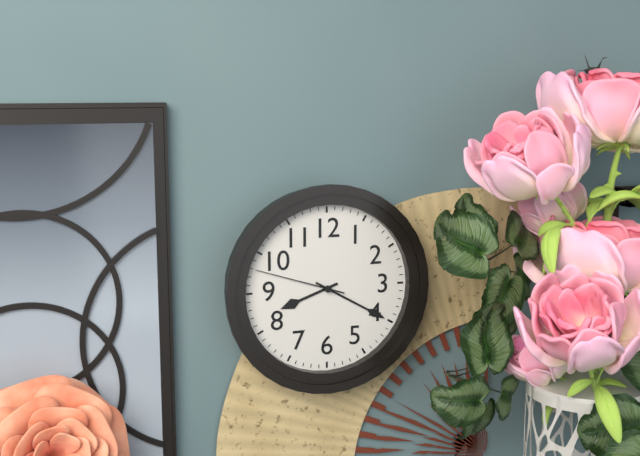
{"hour": 8, "minute": 20, "second": 48}
